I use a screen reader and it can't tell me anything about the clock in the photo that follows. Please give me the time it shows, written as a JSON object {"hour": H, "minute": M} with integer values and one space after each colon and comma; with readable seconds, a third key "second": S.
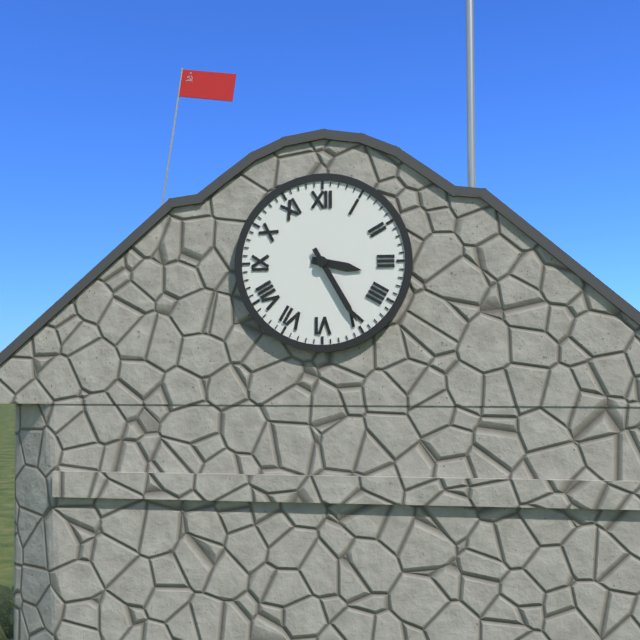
{"hour": 3, "minute": 25}
